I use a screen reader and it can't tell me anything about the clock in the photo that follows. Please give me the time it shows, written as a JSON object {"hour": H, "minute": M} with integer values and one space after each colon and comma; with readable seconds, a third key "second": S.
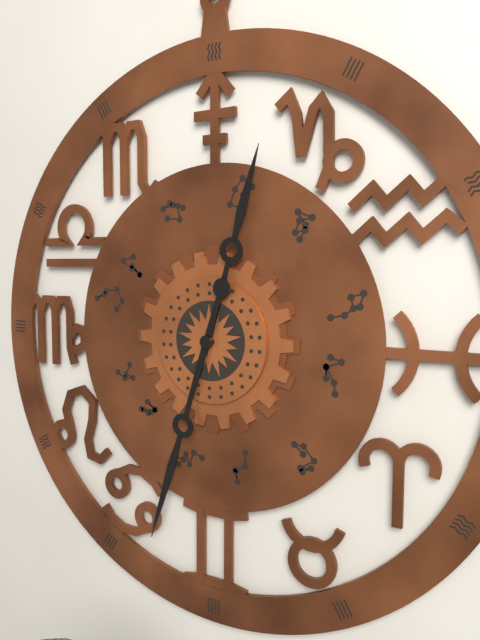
{"hour": 12, "minute": 33}
